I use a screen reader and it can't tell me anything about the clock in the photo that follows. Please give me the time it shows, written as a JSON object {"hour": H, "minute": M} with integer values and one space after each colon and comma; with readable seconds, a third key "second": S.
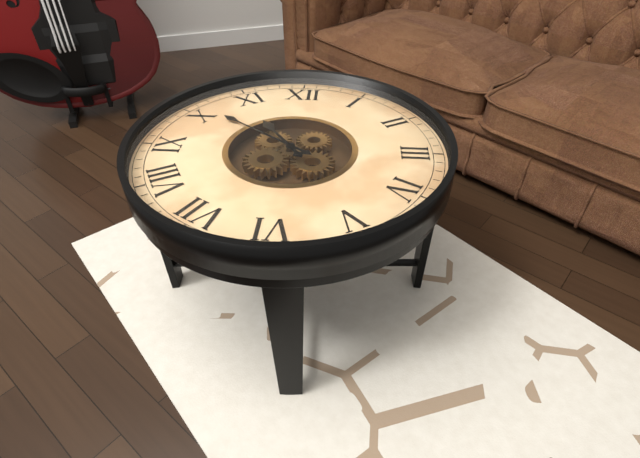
{"hour": 10, "minute": 51}
